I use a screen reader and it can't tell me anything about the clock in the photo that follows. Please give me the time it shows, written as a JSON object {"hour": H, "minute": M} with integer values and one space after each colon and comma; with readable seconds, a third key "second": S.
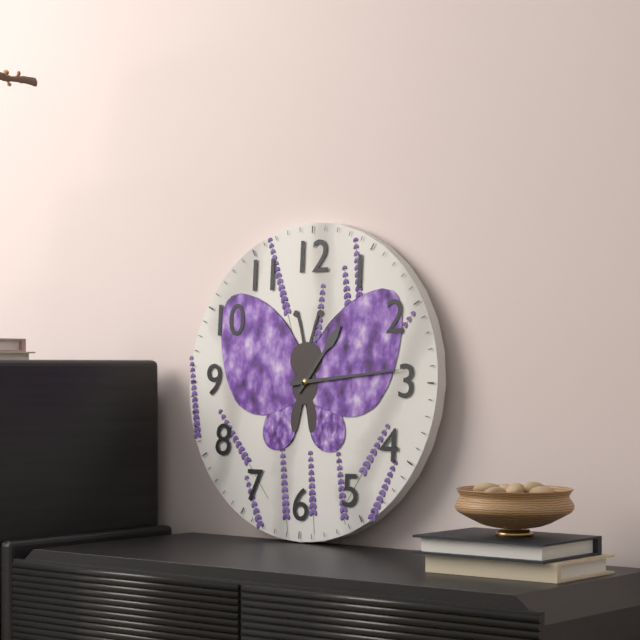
{"hour": 1, "minute": 14}
